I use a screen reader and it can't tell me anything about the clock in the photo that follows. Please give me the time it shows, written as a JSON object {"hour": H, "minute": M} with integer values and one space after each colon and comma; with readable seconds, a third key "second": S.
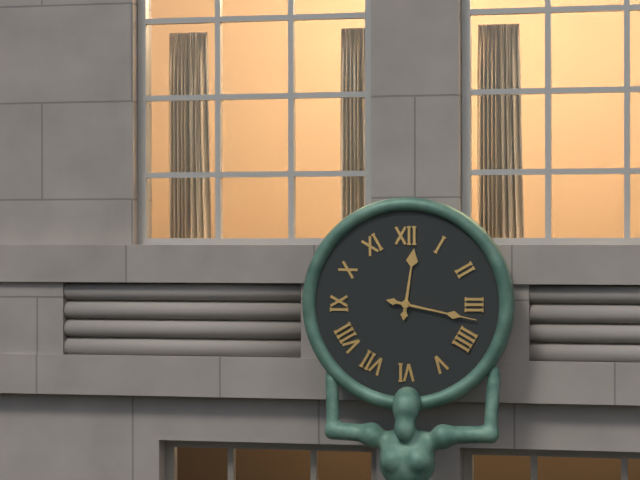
{"hour": 12, "minute": 17}
